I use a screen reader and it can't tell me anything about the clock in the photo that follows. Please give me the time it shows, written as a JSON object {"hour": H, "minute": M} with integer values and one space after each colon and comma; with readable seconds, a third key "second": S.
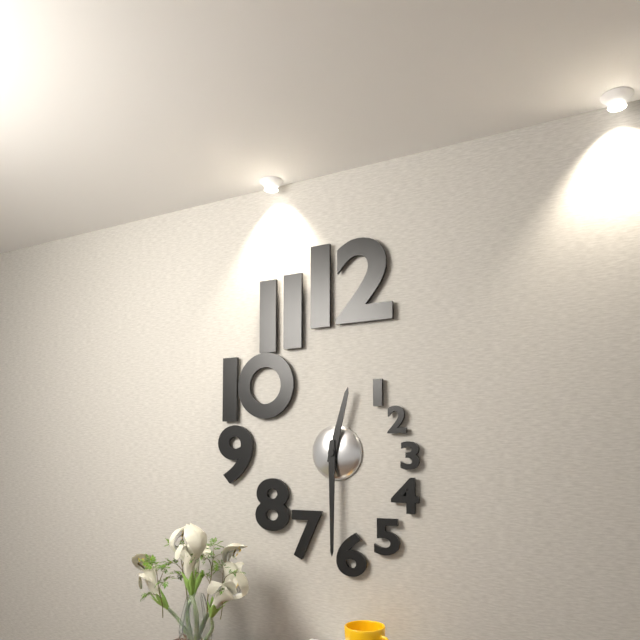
{"hour": 12, "minute": 30}
